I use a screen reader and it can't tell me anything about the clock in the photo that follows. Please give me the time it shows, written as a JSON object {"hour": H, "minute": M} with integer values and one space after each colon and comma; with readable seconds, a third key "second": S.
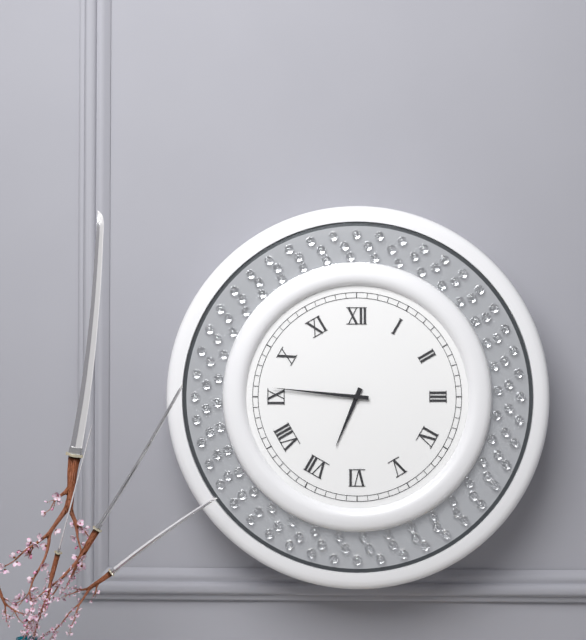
{"hour": 6, "minute": 46}
